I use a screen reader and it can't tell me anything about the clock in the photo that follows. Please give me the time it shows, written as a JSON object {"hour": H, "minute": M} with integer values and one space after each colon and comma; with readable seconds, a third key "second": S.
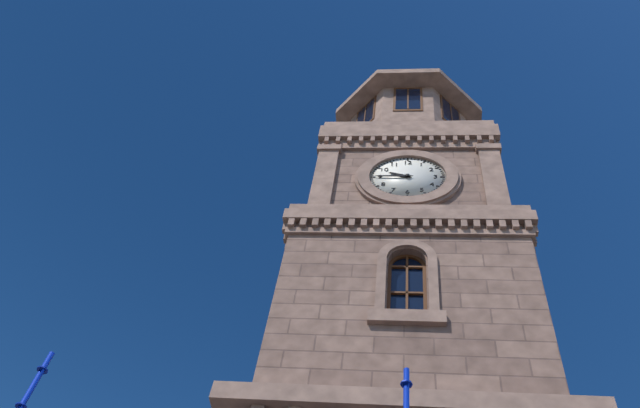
{"hour": 9, "minute": 45}
